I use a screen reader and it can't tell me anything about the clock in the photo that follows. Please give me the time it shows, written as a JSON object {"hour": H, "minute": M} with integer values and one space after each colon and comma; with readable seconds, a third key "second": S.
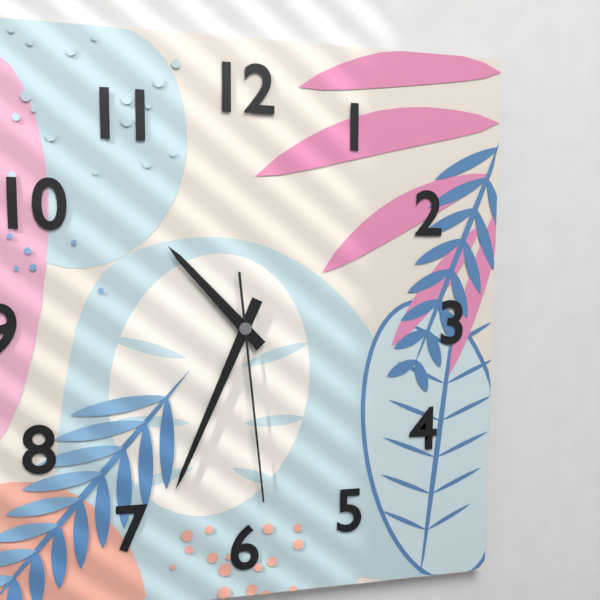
{"hour": 10, "minute": 34, "second": 29}
